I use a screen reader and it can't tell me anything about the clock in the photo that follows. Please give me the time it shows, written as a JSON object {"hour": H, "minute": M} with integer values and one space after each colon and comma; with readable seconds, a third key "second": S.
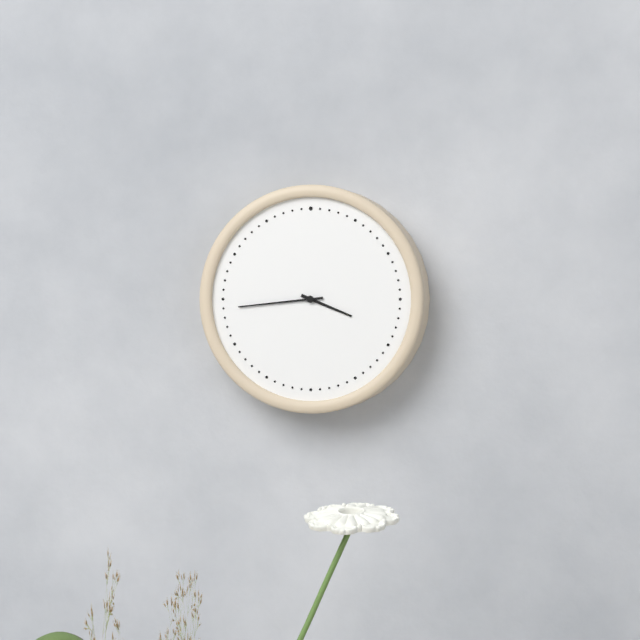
{"hour": 3, "minute": 44}
